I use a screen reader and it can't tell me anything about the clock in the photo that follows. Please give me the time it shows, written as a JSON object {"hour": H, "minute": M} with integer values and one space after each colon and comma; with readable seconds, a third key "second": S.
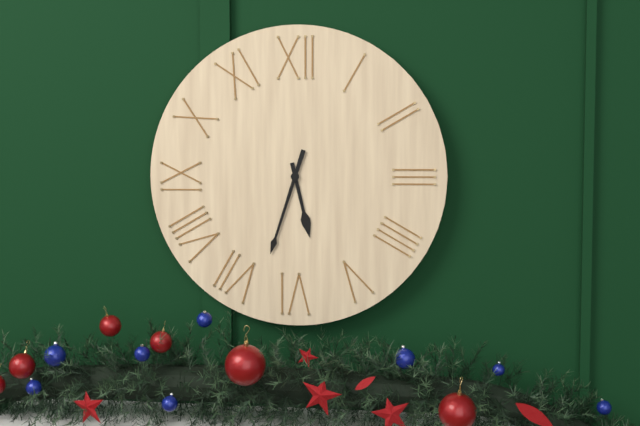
{"hour": 5, "minute": 33}
